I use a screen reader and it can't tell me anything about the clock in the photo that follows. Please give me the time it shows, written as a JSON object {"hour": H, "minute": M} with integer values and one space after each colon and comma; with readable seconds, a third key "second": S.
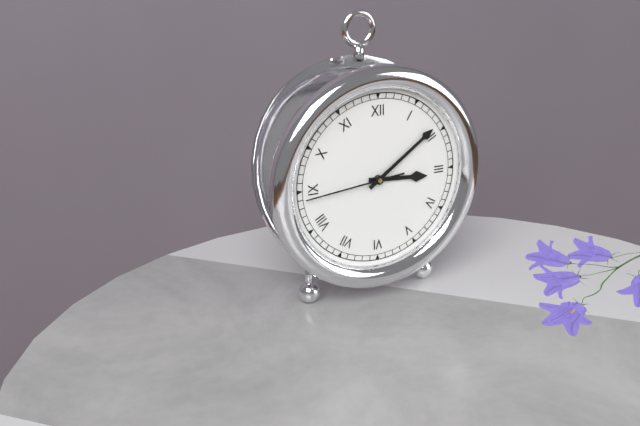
{"hour": 3, "minute": 9, "second": 44}
